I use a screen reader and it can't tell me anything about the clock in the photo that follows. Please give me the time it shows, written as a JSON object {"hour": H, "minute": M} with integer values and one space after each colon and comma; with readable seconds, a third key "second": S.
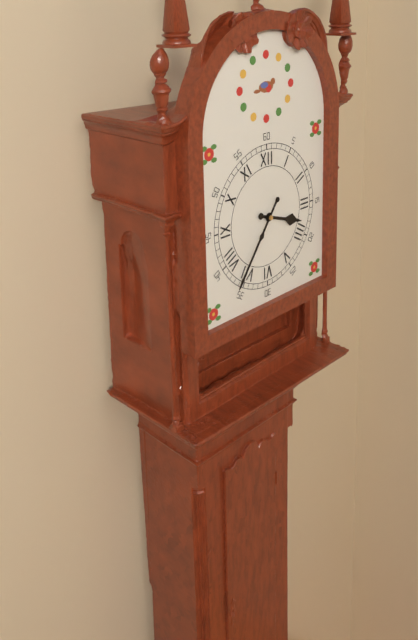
{"hour": 3, "minute": 36}
